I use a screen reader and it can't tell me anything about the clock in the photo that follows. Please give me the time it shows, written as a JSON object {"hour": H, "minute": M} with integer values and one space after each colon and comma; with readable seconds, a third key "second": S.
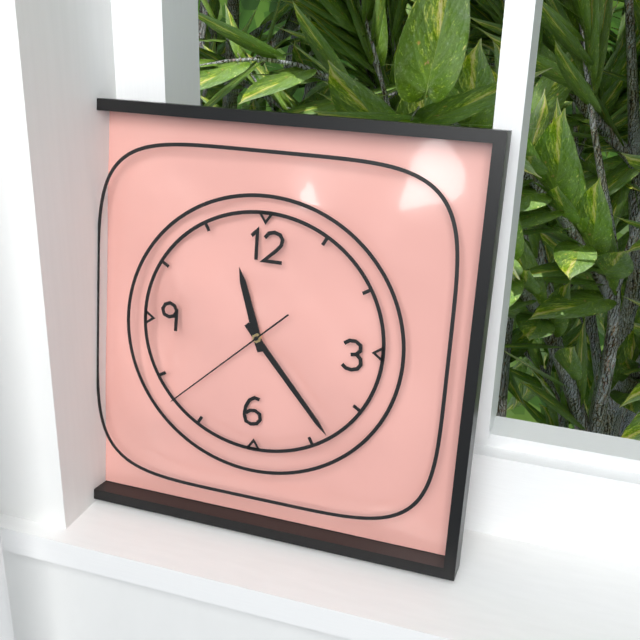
{"hour": 11, "minute": 23, "second": 38}
